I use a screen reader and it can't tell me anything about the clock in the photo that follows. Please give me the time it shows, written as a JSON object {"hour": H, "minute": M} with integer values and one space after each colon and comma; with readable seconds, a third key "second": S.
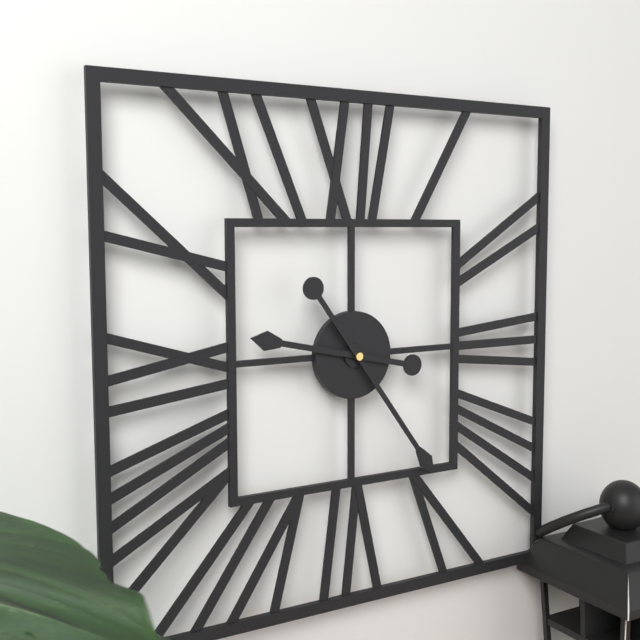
{"hour": 9, "minute": 24}
